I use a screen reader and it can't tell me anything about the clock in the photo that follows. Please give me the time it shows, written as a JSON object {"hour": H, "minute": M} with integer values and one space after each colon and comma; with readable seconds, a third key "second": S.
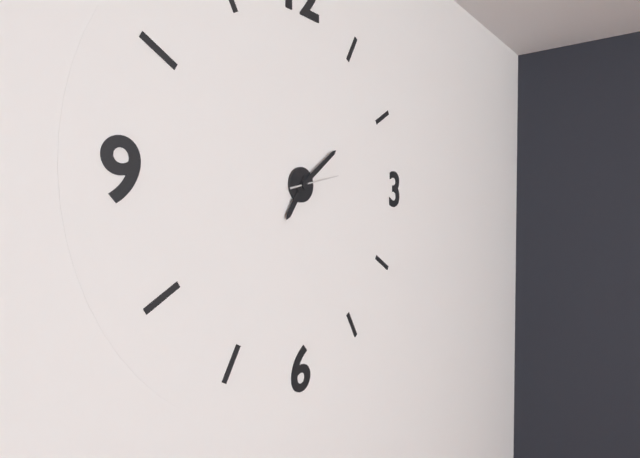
{"hour": 7, "minute": 9}
